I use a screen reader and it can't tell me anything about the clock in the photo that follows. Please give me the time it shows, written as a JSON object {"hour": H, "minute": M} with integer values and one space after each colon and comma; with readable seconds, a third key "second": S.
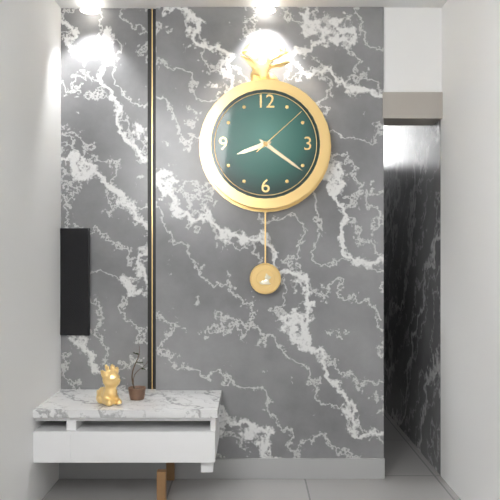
{"hour": 8, "minute": 21, "second": 8}
